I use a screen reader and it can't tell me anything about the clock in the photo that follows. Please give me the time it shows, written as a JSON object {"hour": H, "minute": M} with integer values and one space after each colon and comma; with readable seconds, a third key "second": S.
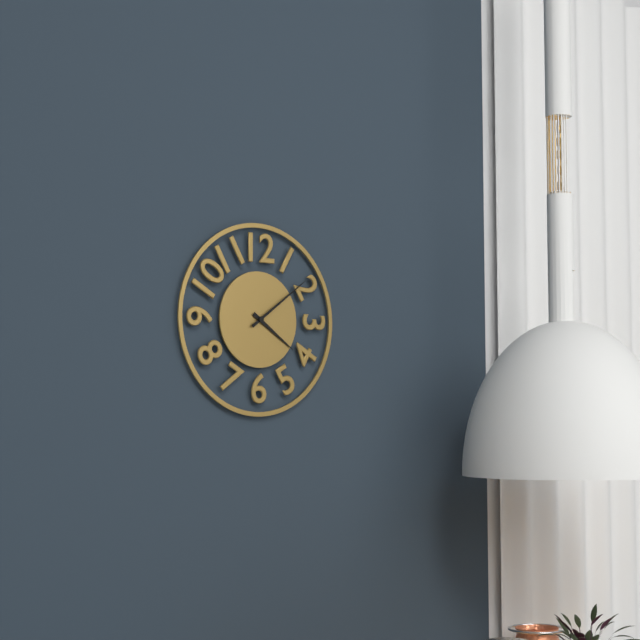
{"hour": 4, "minute": 9}
